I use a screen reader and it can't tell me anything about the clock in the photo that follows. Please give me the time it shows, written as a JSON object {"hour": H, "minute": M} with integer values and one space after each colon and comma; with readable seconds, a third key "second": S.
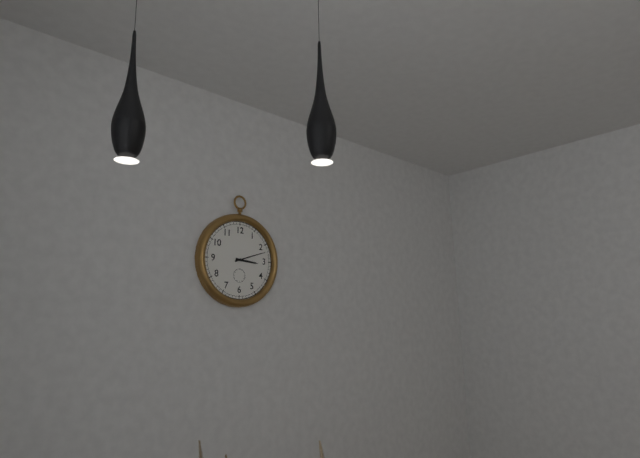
{"hour": 3, "minute": 12}
